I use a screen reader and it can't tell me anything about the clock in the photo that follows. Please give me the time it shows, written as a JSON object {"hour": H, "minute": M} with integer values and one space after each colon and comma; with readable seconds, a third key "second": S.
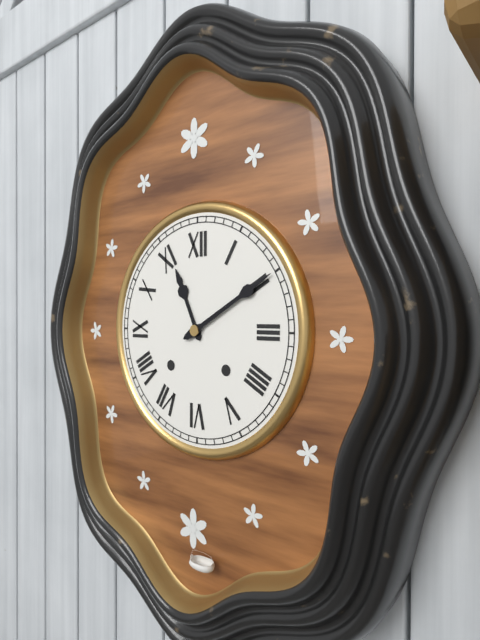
{"hour": 11, "minute": 10}
